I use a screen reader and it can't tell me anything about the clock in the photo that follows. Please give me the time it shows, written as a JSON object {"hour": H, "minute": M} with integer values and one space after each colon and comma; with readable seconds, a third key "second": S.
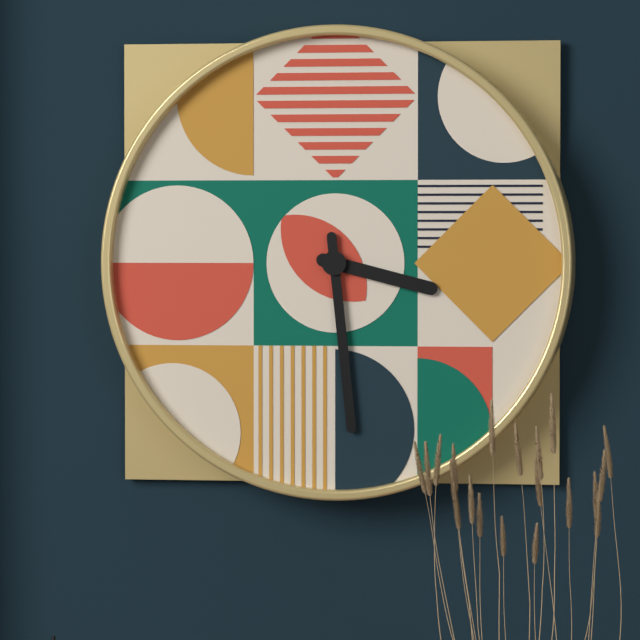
{"hour": 3, "minute": 29}
